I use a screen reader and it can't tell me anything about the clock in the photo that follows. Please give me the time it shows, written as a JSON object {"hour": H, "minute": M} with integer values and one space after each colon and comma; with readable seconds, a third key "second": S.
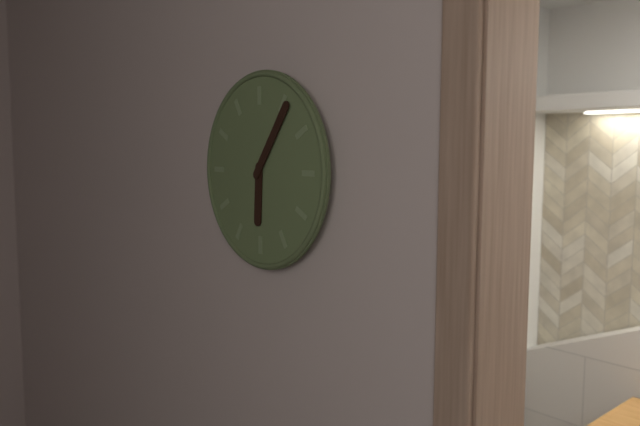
{"hour": 6, "minute": 6}
